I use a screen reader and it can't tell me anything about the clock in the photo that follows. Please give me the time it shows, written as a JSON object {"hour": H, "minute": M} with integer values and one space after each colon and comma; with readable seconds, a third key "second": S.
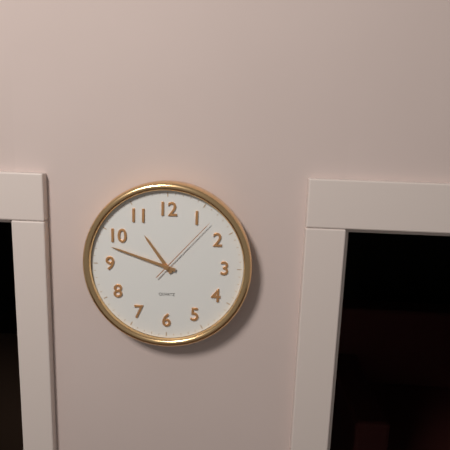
{"hour": 10, "minute": 48, "second": 7}
